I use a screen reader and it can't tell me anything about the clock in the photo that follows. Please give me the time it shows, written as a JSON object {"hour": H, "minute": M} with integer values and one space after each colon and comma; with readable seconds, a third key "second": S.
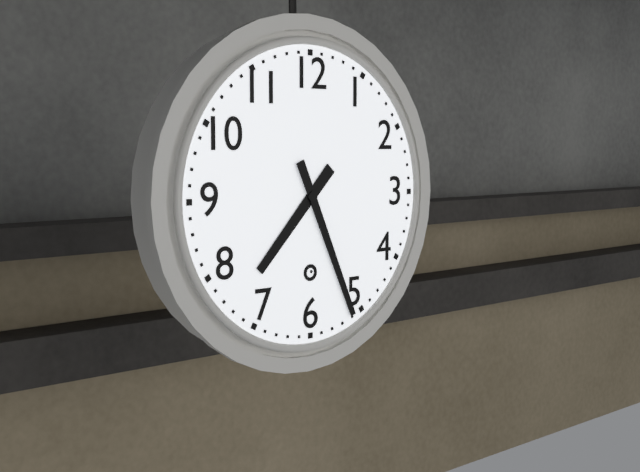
{"hour": 7, "minute": 26}
